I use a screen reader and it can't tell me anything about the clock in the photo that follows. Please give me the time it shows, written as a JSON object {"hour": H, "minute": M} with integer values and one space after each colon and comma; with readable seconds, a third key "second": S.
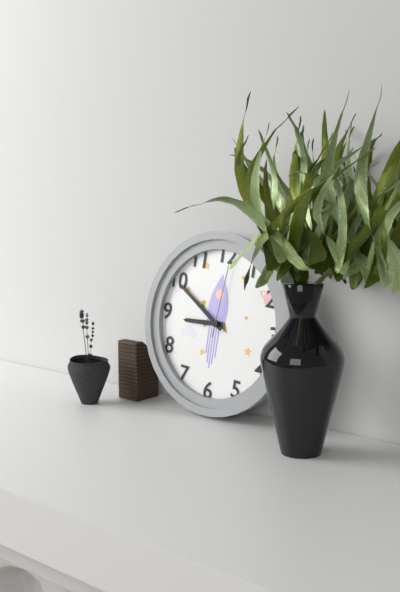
{"hour": 8, "minute": 50, "second": 1}
